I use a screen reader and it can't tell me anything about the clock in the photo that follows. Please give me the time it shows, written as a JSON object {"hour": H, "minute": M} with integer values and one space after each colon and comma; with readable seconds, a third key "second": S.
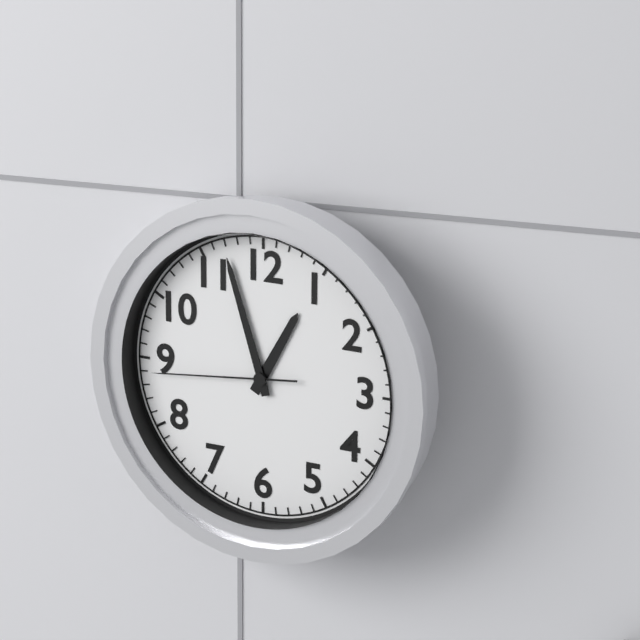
{"hour": 12, "minute": 57, "second": 44}
